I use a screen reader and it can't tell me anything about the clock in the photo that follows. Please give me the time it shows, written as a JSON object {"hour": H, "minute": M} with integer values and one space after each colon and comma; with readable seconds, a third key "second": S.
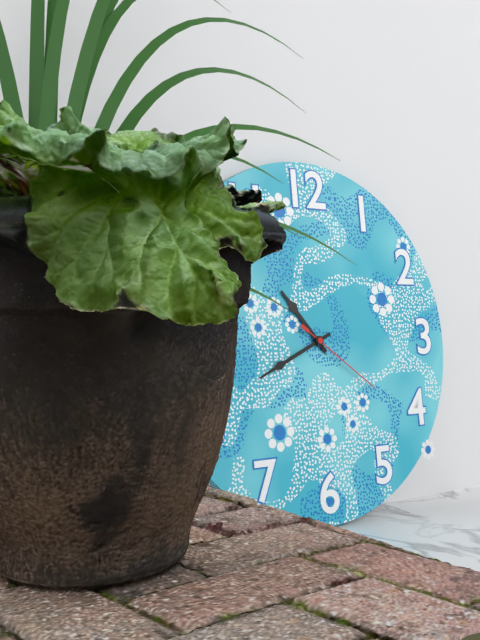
{"hour": 10, "minute": 41, "second": 21}
